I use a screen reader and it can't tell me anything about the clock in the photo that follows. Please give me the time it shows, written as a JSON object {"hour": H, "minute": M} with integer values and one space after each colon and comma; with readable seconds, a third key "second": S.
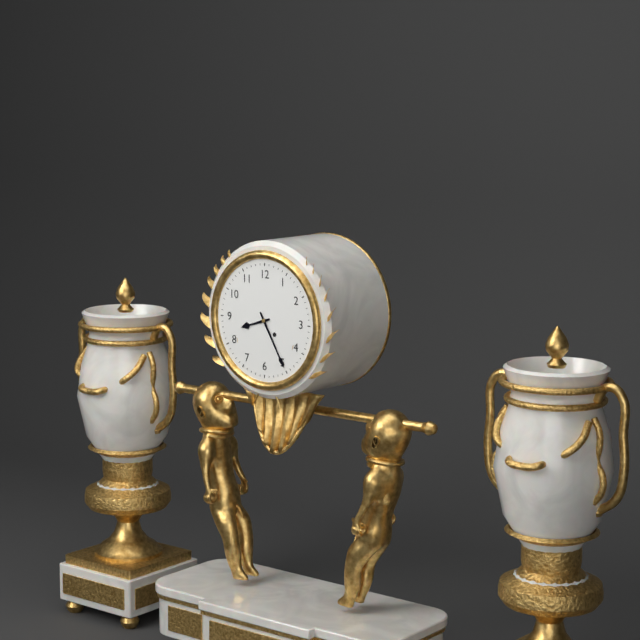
{"hour": 8, "minute": 25}
